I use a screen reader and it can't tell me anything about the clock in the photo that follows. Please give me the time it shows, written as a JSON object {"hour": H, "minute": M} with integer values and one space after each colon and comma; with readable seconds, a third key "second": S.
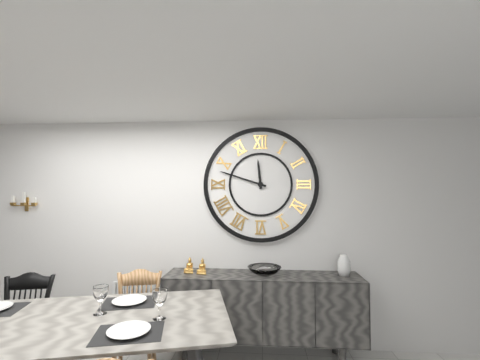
{"hour": 11, "minute": 48}
